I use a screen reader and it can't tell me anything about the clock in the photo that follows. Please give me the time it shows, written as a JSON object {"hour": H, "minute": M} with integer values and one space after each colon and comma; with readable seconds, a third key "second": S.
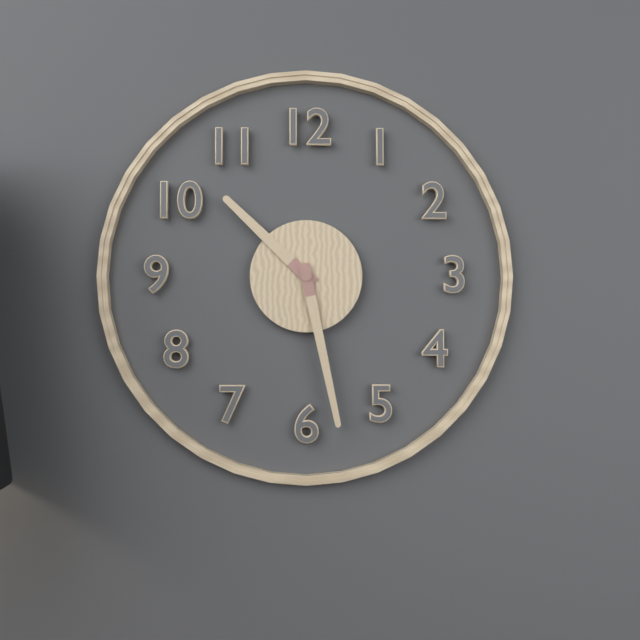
{"hour": 10, "minute": 28}
